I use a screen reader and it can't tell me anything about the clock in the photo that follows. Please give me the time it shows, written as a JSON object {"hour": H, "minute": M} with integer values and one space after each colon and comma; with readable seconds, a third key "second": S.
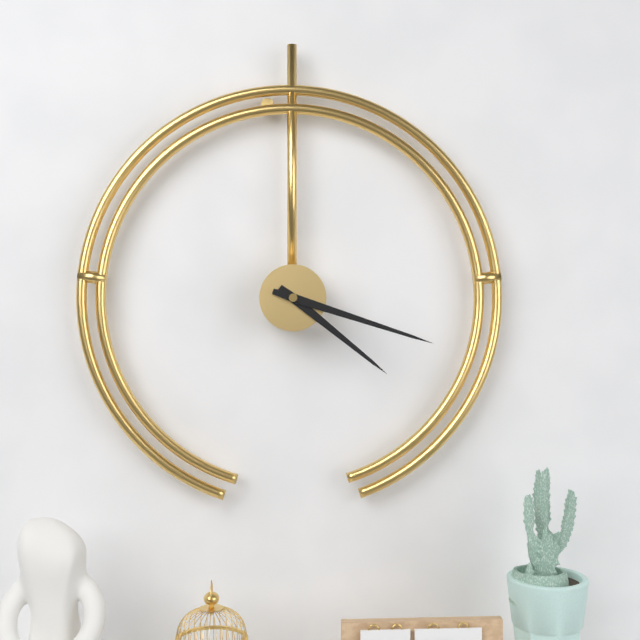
{"hour": 4, "minute": 18}
